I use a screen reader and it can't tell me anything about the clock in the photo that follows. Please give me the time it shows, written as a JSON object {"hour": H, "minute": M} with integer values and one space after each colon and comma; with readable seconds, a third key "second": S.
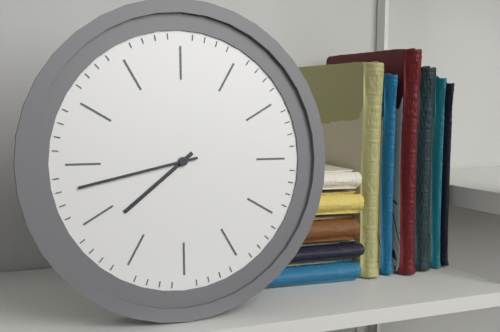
{"hour": 7, "minute": 43}
